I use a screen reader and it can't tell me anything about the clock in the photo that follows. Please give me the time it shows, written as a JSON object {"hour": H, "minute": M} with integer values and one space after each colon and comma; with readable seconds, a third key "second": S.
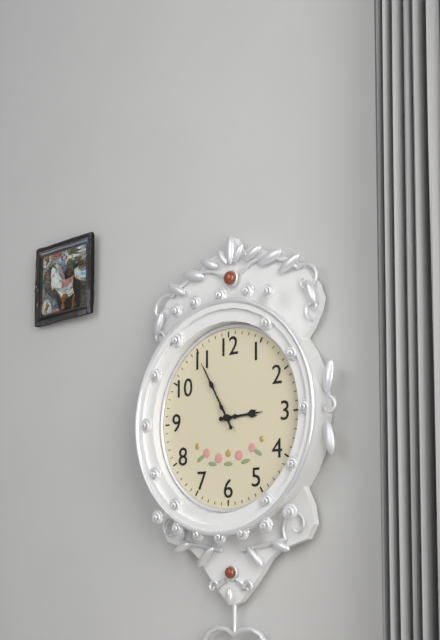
{"hour": 2, "minute": 55}
